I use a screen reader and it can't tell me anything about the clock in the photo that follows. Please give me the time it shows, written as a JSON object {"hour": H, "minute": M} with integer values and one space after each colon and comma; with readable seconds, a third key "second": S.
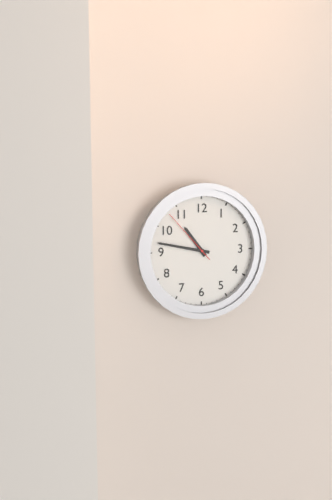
{"hour": 10, "minute": 47, "second": 53}
